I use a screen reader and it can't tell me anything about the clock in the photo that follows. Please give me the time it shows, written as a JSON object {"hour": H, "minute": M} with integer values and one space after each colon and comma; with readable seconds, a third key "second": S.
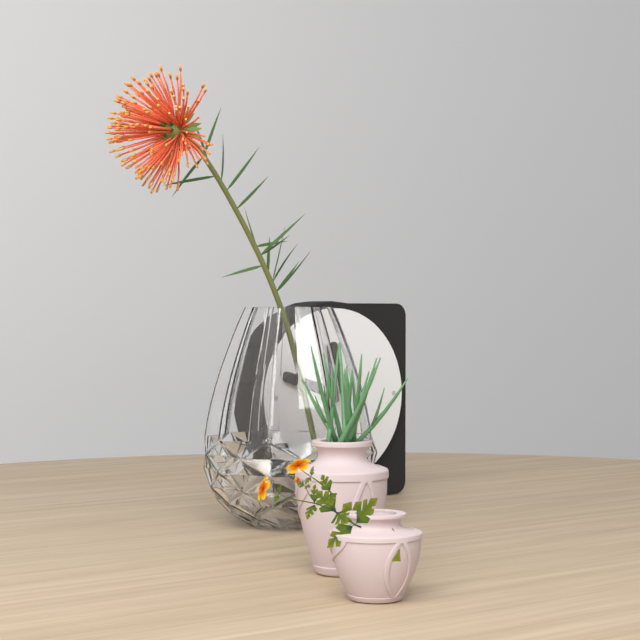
{"hour": 11, "minute": 48}
